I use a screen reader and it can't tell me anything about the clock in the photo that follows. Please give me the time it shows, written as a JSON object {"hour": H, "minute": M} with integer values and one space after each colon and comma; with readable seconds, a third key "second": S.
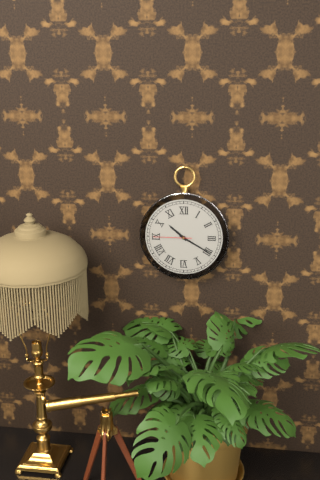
{"hour": 10, "minute": 20}
